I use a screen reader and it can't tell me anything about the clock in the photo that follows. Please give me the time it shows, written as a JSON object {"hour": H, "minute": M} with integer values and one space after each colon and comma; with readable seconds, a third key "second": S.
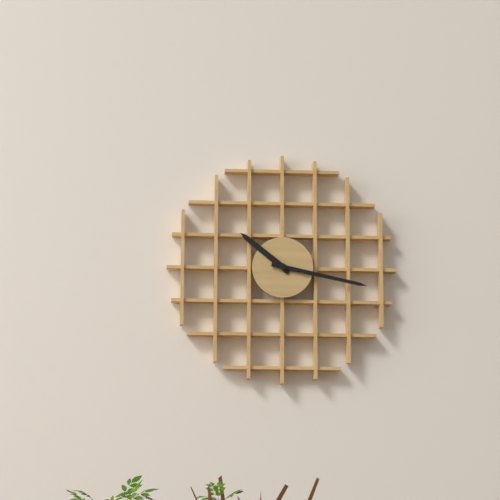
{"hour": 10, "minute": 17}
